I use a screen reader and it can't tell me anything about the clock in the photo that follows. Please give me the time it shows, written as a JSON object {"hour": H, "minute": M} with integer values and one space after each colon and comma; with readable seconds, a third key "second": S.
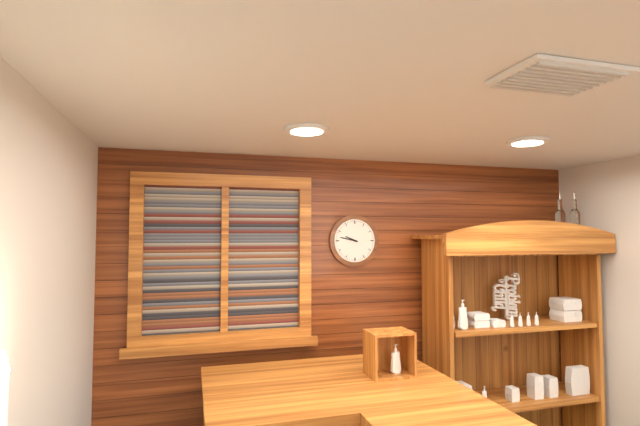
{"hour": 9, "minute": 47}
